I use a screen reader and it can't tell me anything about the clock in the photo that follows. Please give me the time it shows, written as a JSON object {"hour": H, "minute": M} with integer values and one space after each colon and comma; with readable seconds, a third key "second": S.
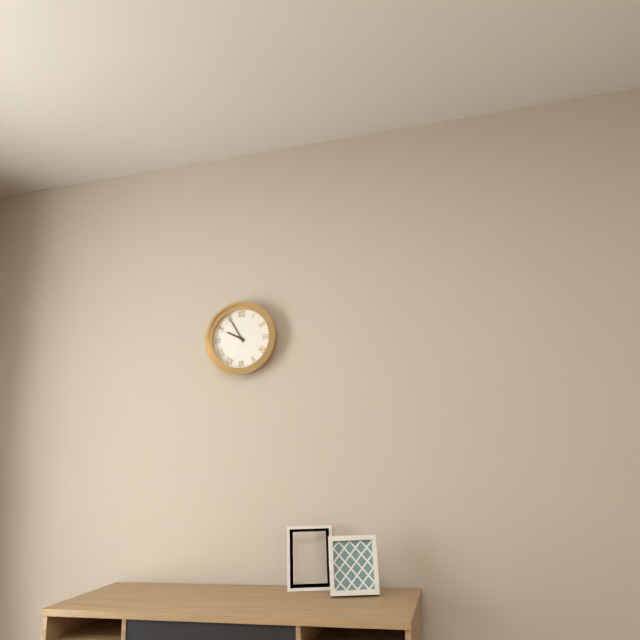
{"hour": 9, "minute": 55}
